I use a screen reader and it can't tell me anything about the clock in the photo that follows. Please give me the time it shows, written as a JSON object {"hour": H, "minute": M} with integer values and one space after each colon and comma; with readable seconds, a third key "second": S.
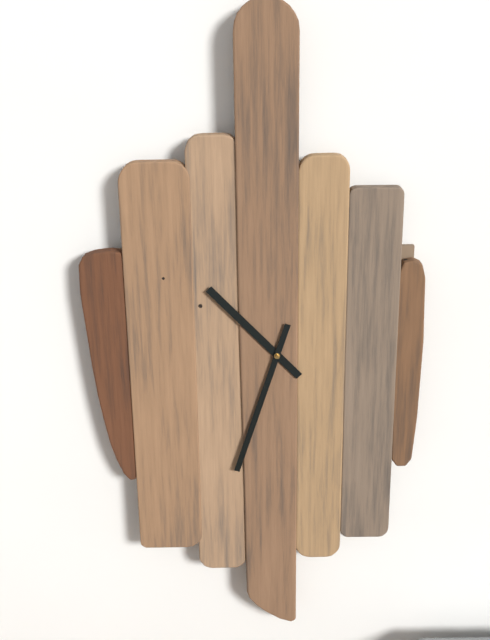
{"hour": 10, "minute": 33}
